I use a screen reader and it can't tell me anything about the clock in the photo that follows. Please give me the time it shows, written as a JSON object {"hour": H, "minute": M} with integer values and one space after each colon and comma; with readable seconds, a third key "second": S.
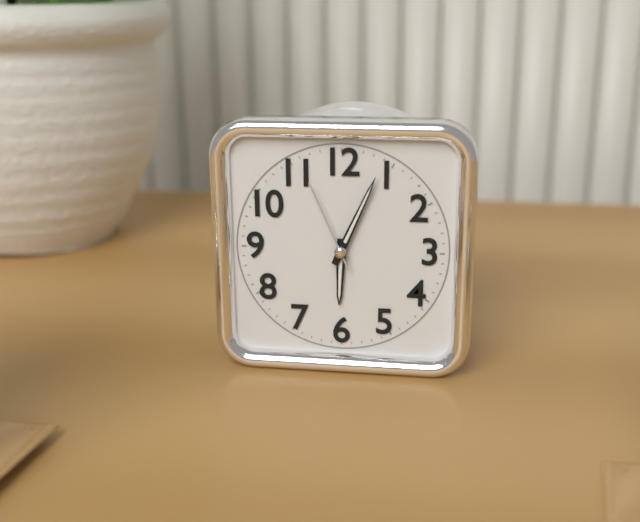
{"hour": 6, "minute": 4, "second": 56}
